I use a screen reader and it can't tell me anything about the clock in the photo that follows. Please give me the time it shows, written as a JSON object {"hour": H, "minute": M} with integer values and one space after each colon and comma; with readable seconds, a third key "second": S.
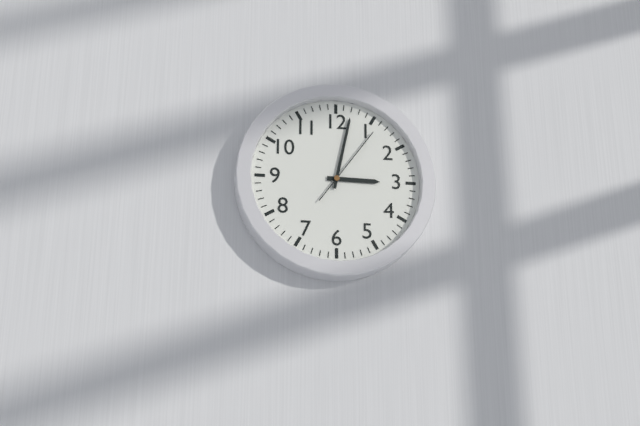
{"hour": 3, "minute": 2, "second": 6}
